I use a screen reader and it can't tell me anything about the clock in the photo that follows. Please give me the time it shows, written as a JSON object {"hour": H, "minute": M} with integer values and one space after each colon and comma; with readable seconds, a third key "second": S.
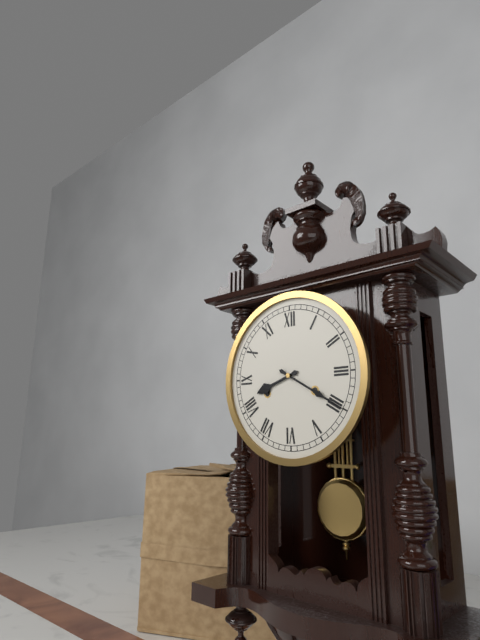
{"hour": 8, "minute": 20}
